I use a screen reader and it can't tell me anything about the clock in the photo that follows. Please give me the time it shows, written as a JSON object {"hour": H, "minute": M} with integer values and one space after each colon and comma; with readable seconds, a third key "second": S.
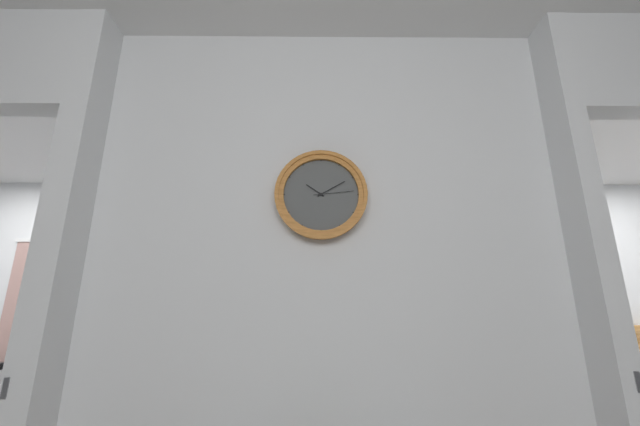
{"hour": 10, "minute": 10}
